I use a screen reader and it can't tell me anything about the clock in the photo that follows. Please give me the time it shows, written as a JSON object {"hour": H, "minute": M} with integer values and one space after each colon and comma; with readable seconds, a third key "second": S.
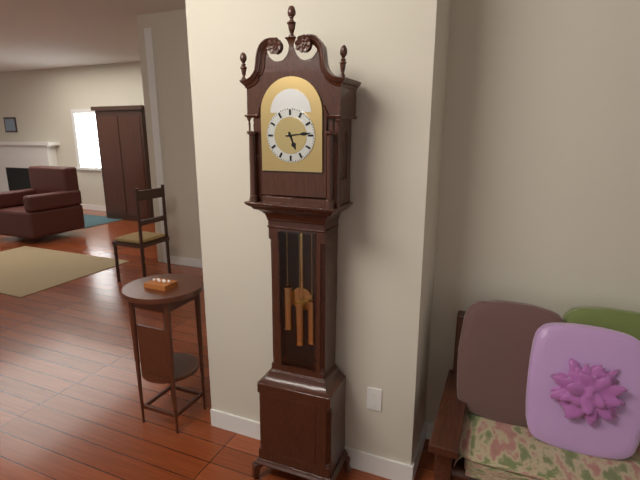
{"hour": 5, "minute": 14}
